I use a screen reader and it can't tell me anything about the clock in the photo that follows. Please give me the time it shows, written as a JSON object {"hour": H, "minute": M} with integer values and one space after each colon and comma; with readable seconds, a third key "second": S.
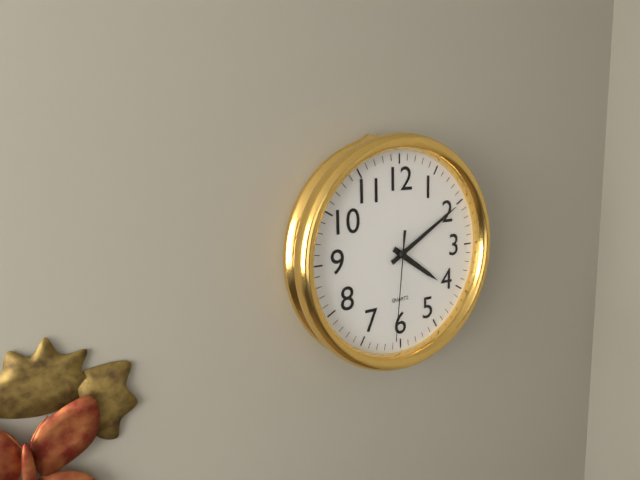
{"hour": 4, "minute": 10, "second": 31}
